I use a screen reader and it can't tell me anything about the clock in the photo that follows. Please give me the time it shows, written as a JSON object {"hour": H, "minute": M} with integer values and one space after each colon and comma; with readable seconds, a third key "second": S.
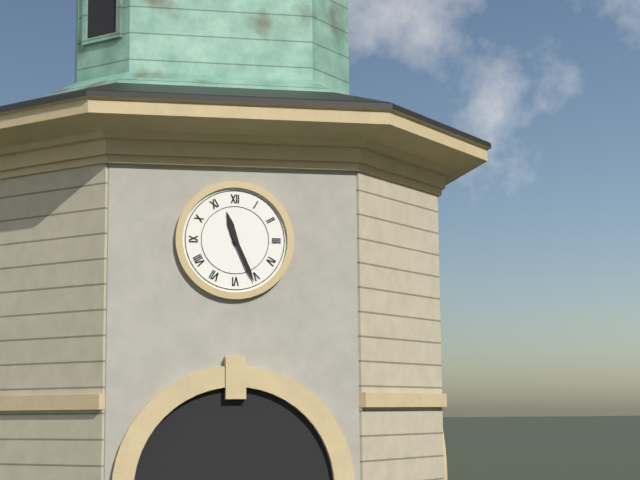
{"hour": 11, "minute": 26}
